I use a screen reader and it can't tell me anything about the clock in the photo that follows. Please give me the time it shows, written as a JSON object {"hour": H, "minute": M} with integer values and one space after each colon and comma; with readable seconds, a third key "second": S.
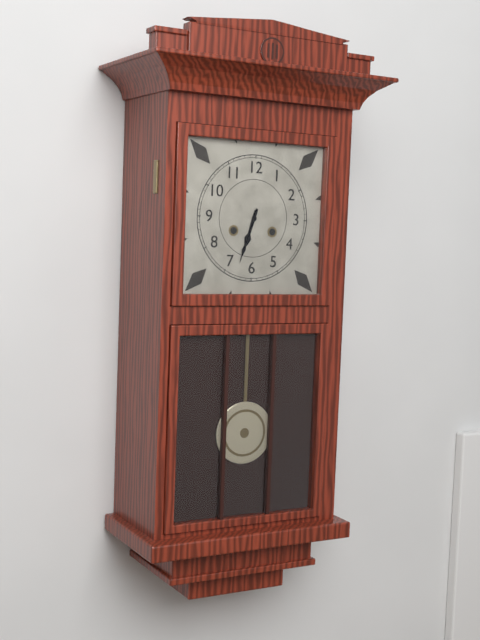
{"hour": 6, "minute": 33}
